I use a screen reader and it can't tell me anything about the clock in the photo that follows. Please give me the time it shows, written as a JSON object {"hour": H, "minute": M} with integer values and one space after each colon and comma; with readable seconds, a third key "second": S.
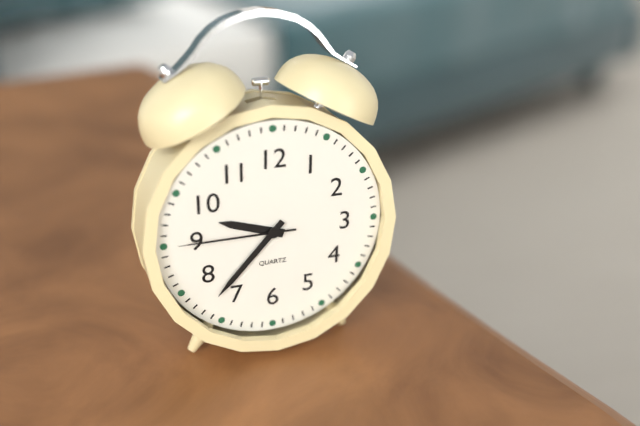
{"hour": 9, "minute": 37, "second": 45}
